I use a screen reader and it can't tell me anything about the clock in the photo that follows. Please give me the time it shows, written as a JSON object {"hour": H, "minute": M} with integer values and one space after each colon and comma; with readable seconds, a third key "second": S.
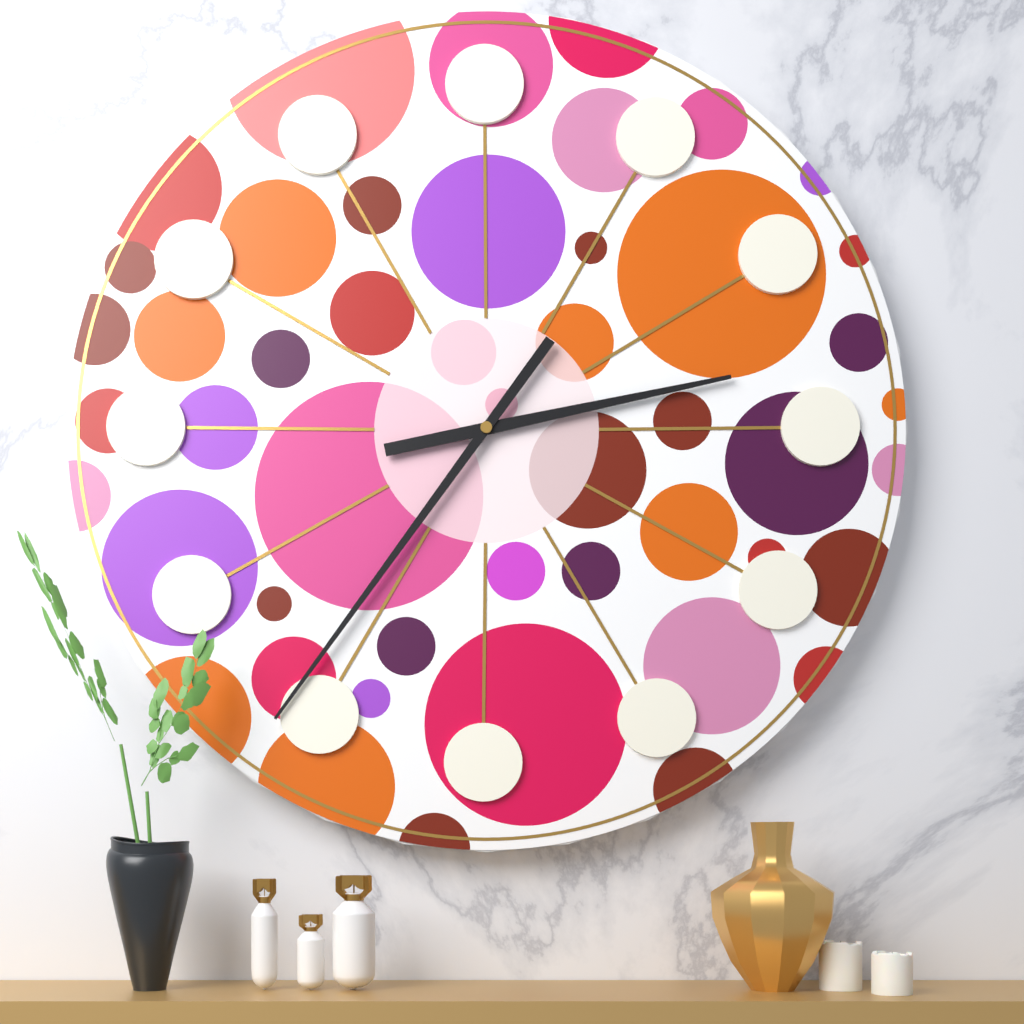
{"hour": 2, "minute": 36}
